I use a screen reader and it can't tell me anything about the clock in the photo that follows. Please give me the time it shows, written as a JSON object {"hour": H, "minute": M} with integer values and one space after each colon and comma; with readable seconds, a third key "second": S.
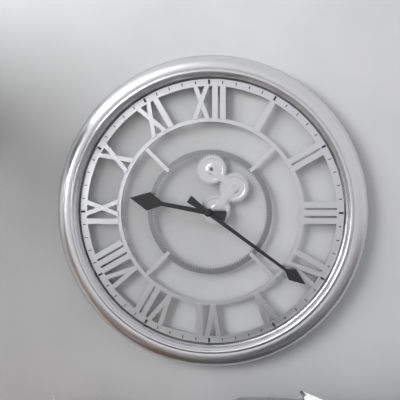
{"hour": 9, "minute": 21}
